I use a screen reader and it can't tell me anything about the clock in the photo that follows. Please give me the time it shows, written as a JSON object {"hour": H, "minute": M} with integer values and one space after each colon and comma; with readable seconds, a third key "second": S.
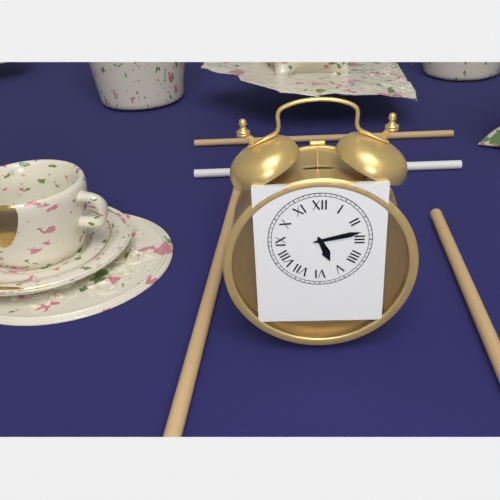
{"hour": 5, "minute": 13}
